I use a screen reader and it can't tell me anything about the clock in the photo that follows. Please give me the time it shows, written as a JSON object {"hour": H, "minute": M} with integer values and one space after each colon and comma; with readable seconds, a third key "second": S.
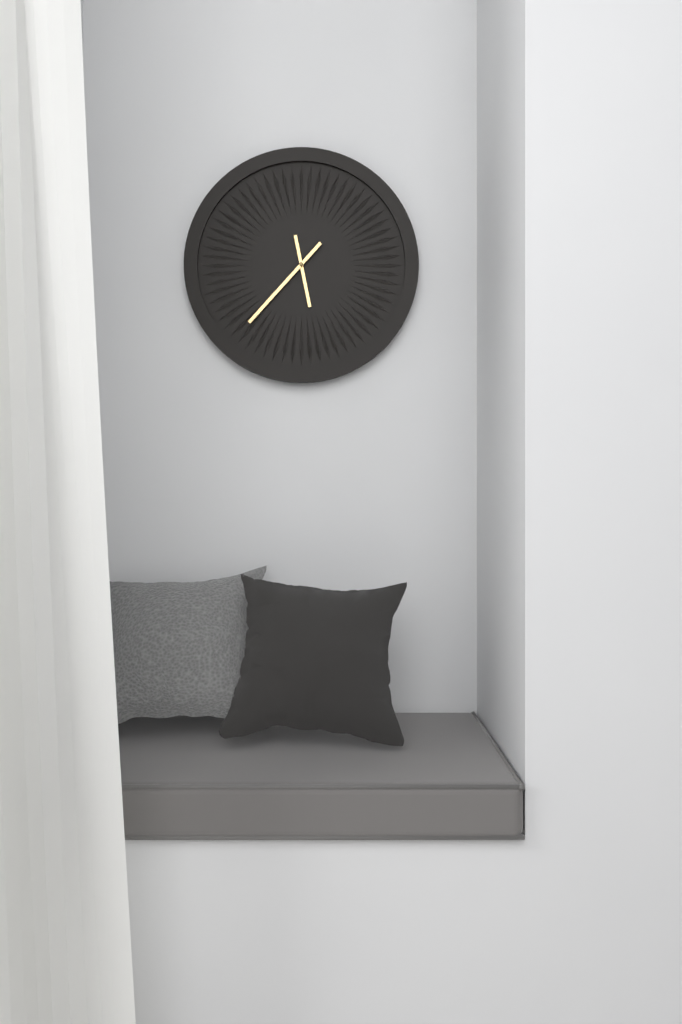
{"hour": 5, "minute": 37}
